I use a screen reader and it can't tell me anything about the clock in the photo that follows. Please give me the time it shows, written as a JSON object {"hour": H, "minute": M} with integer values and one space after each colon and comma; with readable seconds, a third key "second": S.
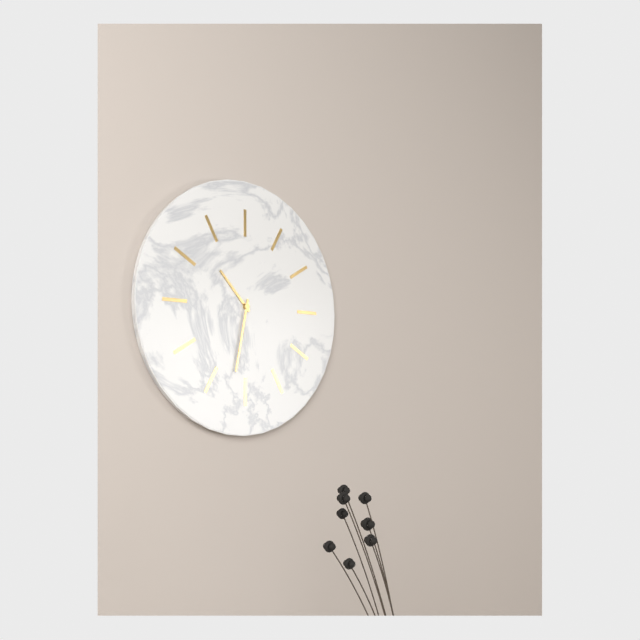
{"hour": 10, "minute": 32}
